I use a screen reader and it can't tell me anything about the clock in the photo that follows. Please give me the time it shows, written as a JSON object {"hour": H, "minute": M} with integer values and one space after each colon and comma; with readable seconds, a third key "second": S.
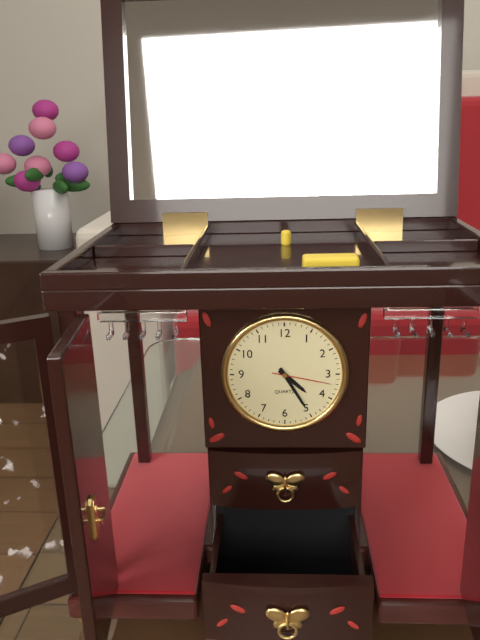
{"hour": 4, "minute": 25, "second": 17}
